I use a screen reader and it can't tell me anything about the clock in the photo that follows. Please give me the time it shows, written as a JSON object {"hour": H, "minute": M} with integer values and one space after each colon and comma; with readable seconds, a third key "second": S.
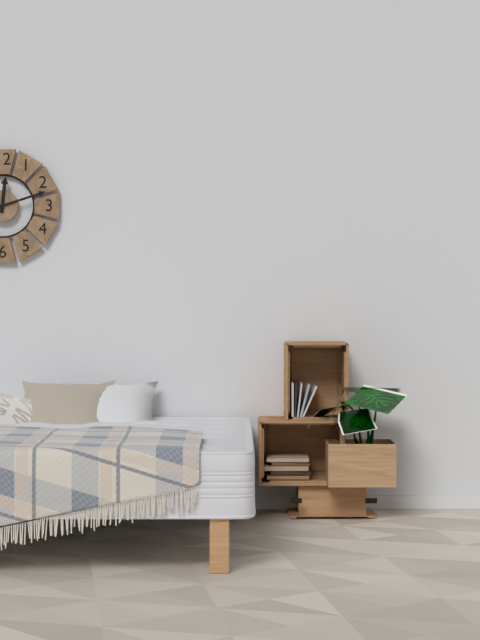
{"hour": 12, "minute": 12}
